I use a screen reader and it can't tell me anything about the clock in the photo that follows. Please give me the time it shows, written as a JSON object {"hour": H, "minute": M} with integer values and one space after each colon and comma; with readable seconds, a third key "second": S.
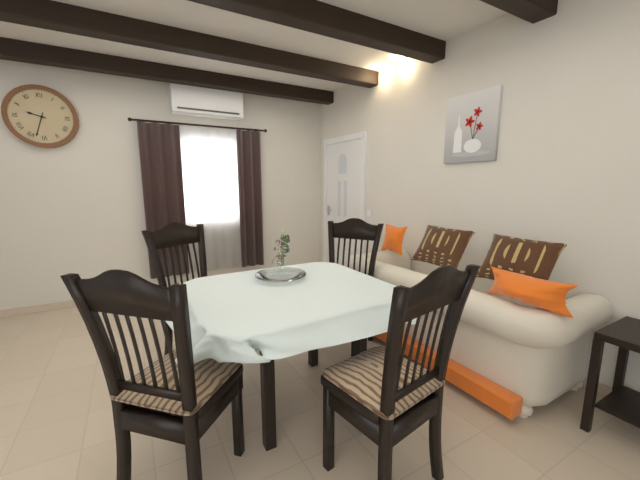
{"hour": 9, "minute": 33}
